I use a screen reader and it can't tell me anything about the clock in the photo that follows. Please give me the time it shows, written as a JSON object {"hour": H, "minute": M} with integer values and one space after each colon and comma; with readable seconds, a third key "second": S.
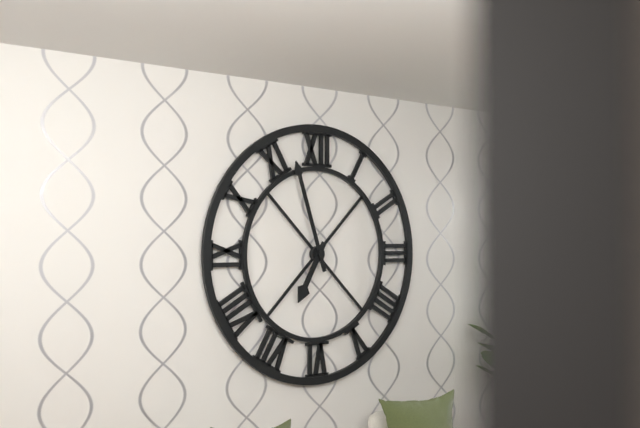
{"hour": 6, "minute": 57}
